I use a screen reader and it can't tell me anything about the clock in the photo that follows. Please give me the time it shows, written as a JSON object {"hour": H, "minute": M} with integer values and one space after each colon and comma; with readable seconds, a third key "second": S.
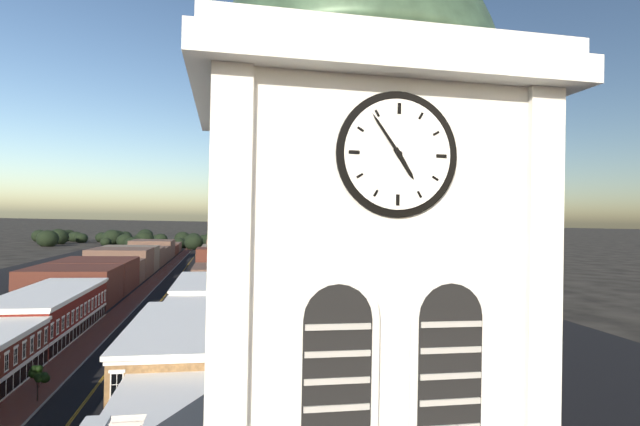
{"hour": 4, "minute": 54}
